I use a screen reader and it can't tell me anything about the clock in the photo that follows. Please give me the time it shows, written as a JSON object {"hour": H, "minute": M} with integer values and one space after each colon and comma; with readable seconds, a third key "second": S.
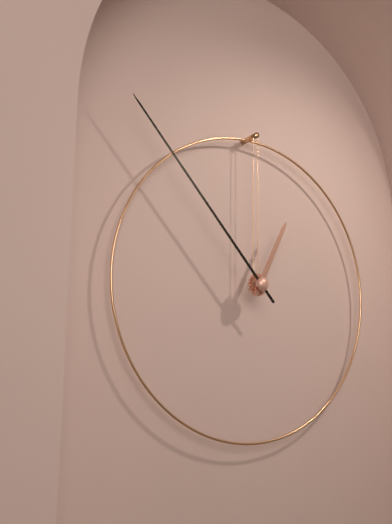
{"hour": 12, "minute": 53}
